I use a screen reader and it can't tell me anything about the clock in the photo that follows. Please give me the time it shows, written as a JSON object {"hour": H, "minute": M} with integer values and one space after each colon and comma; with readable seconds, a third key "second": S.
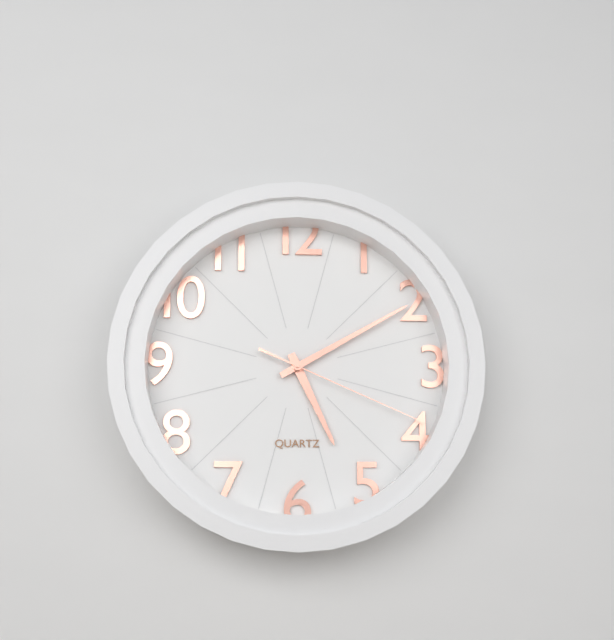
{"hour": 5, "minute": 10, "second": 19}
